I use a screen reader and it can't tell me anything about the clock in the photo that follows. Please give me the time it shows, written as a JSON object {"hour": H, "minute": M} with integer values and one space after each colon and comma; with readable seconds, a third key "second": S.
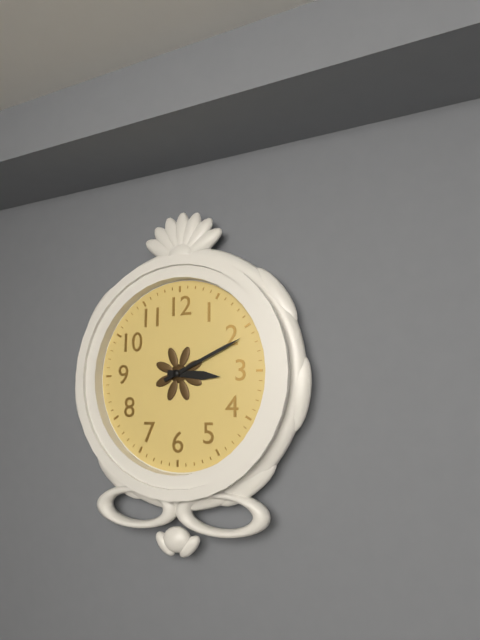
{"hour": 3, "minute": 11}
